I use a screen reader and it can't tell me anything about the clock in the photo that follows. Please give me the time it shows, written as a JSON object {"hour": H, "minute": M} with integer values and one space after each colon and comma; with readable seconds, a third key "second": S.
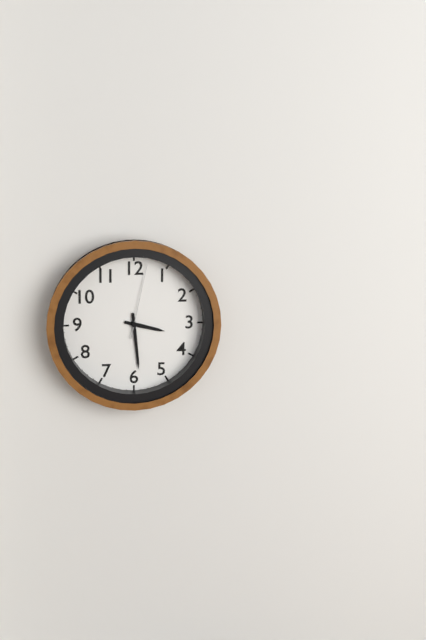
{"hour": 3, "minute": 29, "second": 2}
